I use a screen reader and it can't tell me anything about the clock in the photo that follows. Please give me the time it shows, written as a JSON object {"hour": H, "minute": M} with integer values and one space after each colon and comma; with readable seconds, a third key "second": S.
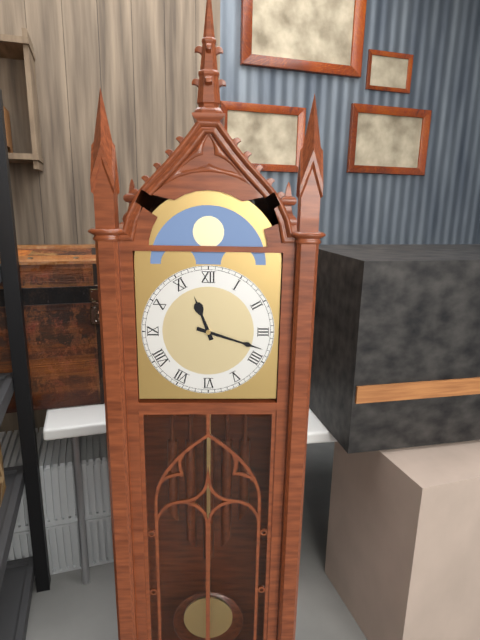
{"hour": 11, "minute": 18}
